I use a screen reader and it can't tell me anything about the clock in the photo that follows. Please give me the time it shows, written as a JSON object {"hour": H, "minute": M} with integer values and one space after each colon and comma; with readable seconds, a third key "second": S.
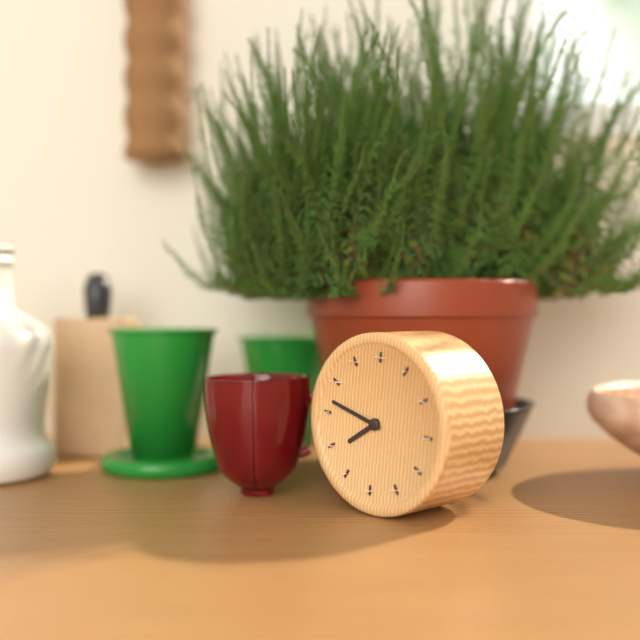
{"hour": 7, "minute": 47}
